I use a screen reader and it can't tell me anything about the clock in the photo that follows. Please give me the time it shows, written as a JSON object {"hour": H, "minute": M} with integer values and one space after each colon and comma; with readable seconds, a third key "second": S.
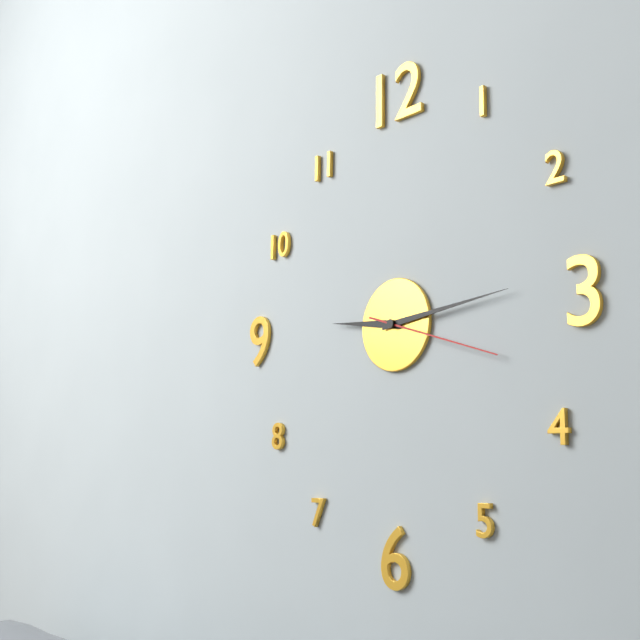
{"hour": 9, "minute": 14, "second": 18}
